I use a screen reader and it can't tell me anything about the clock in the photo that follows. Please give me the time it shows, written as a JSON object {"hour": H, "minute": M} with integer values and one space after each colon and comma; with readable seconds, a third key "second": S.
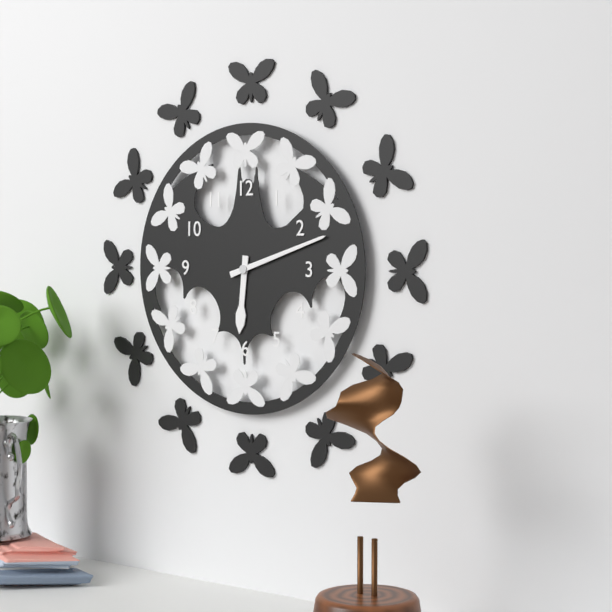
{"hour": 6, "minute": 12}
